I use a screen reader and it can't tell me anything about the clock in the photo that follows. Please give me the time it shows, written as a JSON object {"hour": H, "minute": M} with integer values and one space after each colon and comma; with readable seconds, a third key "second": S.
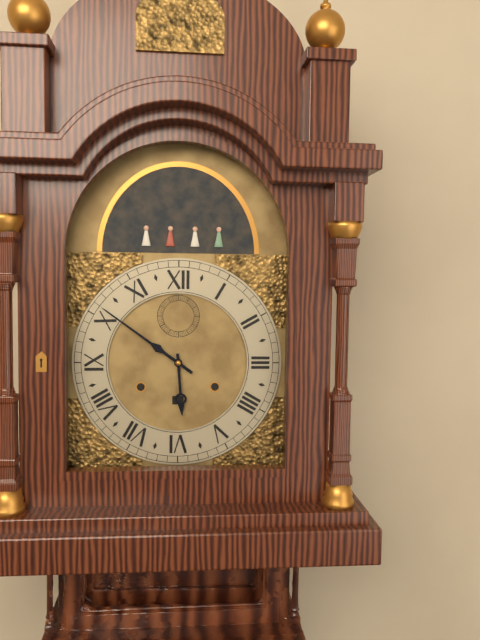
{"hour": 5, "minute": 51}
